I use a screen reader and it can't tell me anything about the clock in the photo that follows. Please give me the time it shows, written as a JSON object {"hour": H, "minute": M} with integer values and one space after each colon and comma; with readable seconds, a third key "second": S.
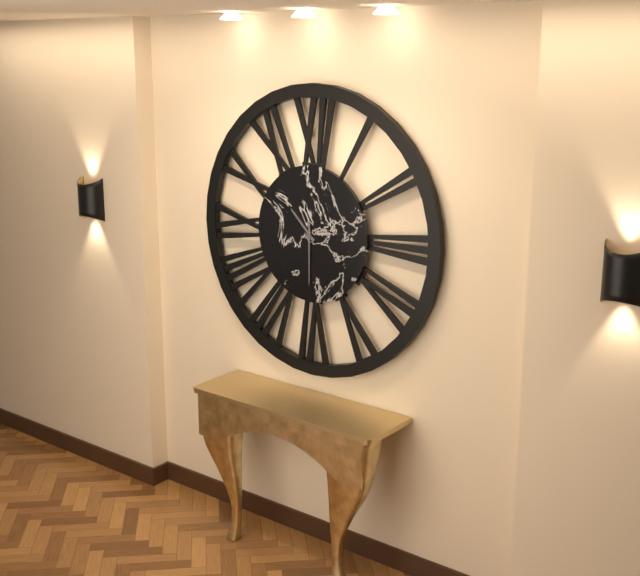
{"hour": 10, "minute": 30}
